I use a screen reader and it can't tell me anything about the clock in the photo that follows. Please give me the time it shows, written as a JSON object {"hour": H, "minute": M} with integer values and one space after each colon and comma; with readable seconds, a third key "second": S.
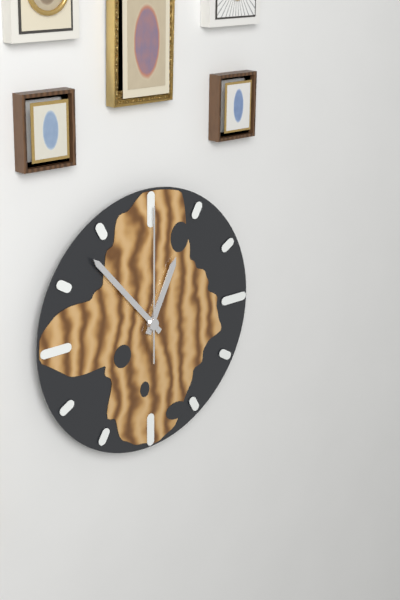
{"hour": 12, "minute": 53, "second": 0}
